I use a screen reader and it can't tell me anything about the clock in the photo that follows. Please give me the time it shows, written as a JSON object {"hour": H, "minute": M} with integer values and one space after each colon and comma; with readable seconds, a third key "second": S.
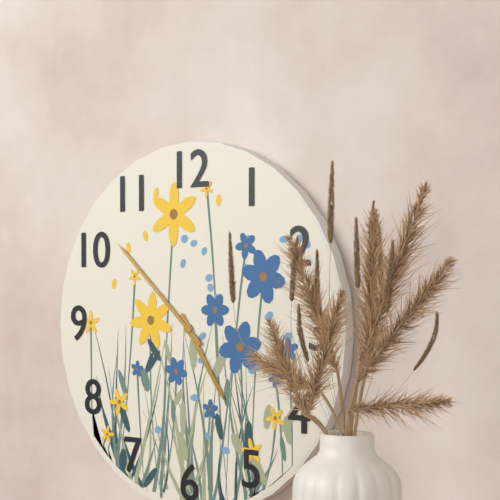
{"hour": 4, "minute": 52}
